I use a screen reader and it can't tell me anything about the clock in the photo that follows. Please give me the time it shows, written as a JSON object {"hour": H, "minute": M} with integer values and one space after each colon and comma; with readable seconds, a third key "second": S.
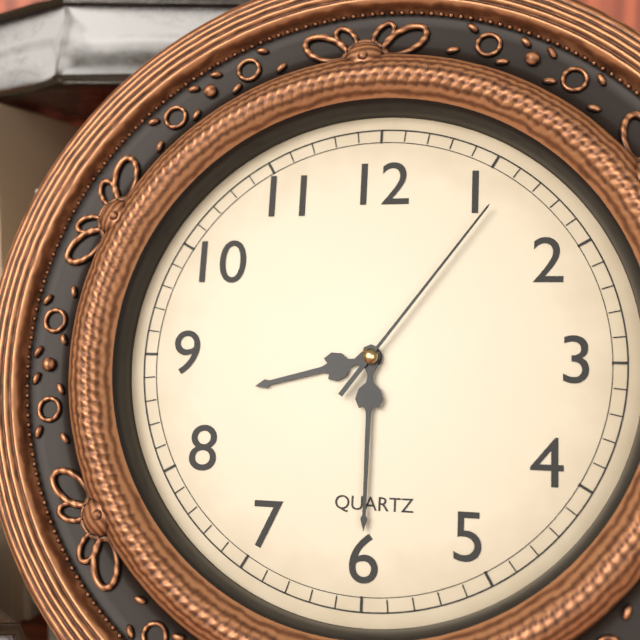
{"hour": 8, "minute": 30, "second": 6}
